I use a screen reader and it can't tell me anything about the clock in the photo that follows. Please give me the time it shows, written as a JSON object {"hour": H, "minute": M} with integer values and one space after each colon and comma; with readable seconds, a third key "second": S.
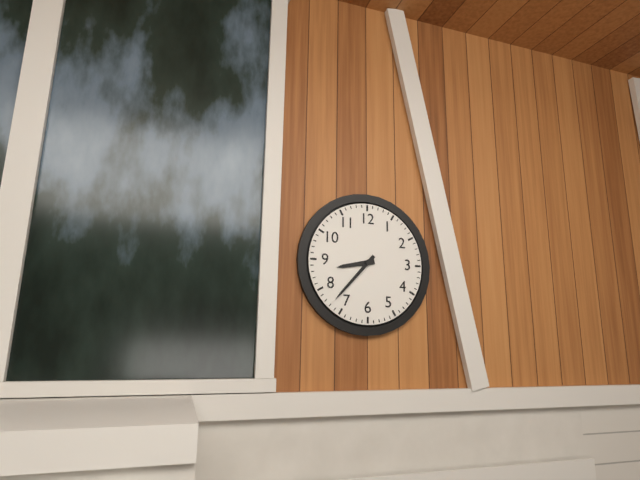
{"hour": 8, "minute": 37}
